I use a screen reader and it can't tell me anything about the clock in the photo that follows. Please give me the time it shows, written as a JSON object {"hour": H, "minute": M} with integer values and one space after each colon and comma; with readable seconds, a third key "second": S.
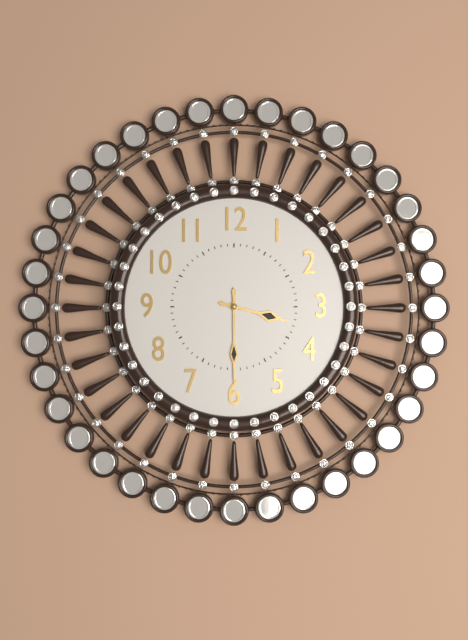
{"hour": 3, "minute": 30}
